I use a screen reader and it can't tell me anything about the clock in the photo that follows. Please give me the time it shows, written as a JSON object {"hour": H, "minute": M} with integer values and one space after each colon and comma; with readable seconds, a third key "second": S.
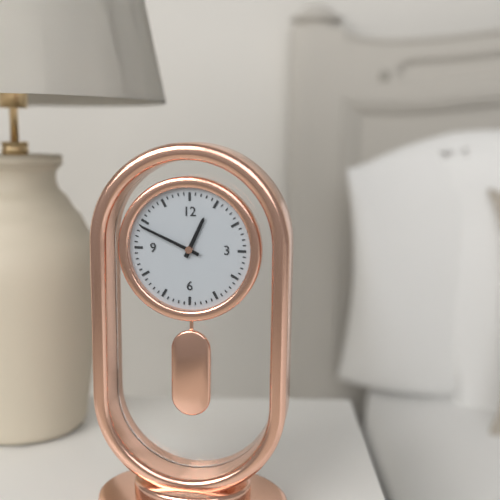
{"hour": 12, "minute": 49}
